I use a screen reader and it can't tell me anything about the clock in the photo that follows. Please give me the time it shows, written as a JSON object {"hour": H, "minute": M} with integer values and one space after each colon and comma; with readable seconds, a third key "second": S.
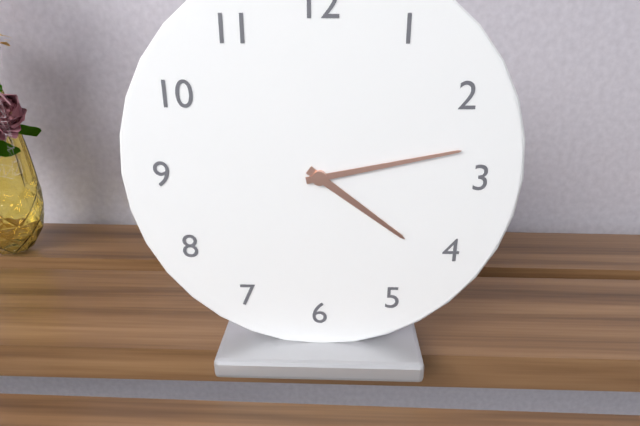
{"hour": 4, "minute": 13}
